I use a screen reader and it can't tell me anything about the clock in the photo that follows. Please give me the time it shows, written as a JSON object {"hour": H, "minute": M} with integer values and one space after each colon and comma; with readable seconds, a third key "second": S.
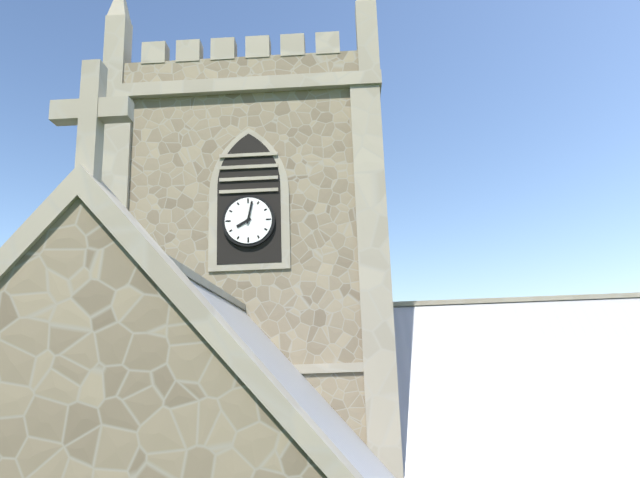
{"hour": 8, "minute": 2}
